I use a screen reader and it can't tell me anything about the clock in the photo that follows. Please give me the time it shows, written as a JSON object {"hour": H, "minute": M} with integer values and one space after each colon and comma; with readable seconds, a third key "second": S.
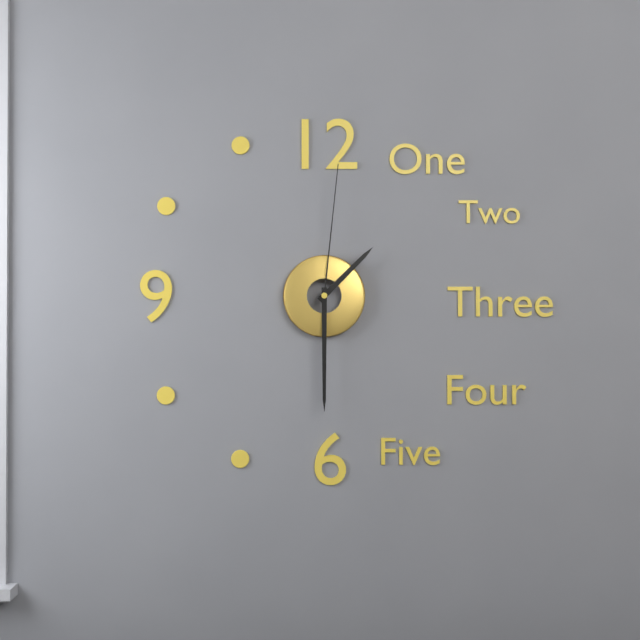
{"hour": 1, "minute": 30, "second": 1}
